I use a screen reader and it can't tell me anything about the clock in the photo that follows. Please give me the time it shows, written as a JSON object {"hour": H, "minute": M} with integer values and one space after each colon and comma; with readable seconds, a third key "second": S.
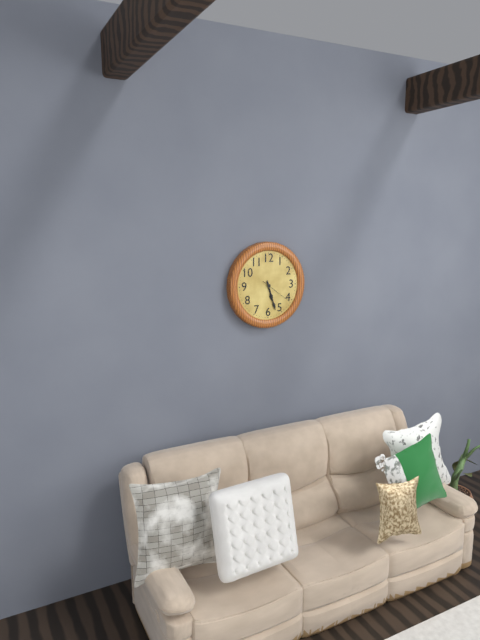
{"hour": 5, "minute": 27}
